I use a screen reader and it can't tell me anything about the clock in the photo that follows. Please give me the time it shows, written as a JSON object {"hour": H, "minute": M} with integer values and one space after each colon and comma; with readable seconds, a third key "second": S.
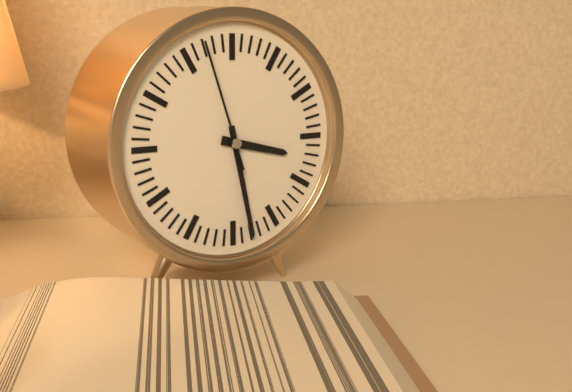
{"hour": 3, "minute": 28, "second": 57}
